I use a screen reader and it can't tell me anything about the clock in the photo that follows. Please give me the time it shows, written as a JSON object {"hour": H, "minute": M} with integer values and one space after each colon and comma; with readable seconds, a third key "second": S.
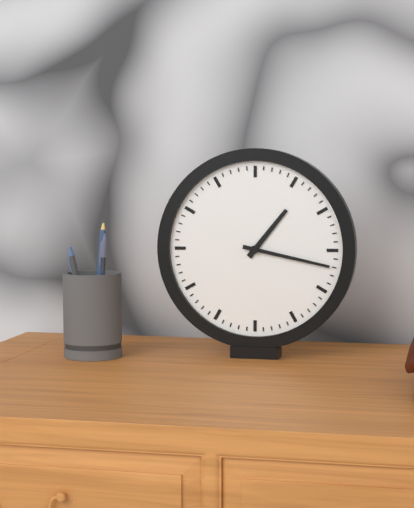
{"hour": 1, "minute": 17}
